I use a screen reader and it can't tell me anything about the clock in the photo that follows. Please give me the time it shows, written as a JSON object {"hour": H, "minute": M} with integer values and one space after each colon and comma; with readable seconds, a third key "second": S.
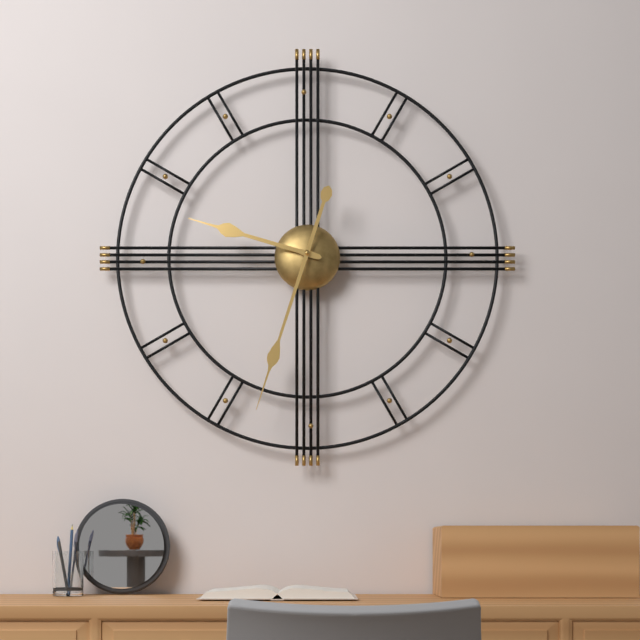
{"hour": 9, "minute": 33}
